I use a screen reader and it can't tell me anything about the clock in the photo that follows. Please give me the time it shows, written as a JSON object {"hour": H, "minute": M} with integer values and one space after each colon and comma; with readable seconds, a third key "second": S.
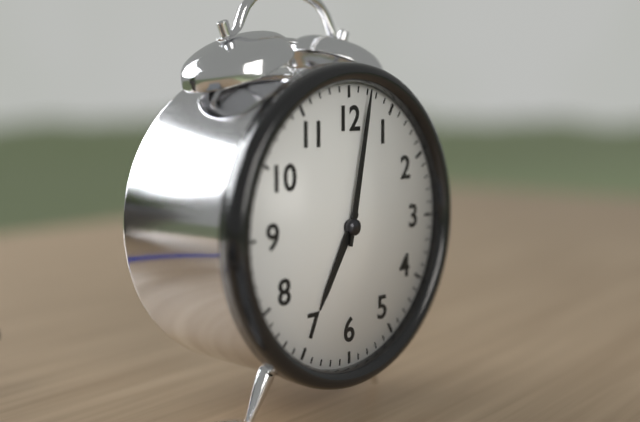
{"hour": 7, "minute": 2}
